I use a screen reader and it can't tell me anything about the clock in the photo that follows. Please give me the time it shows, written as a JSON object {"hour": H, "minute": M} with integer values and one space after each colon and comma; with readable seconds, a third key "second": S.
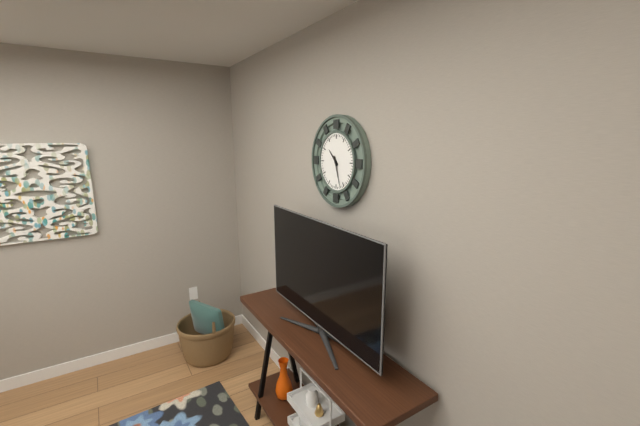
{"hour": 10, "minute": 27}
